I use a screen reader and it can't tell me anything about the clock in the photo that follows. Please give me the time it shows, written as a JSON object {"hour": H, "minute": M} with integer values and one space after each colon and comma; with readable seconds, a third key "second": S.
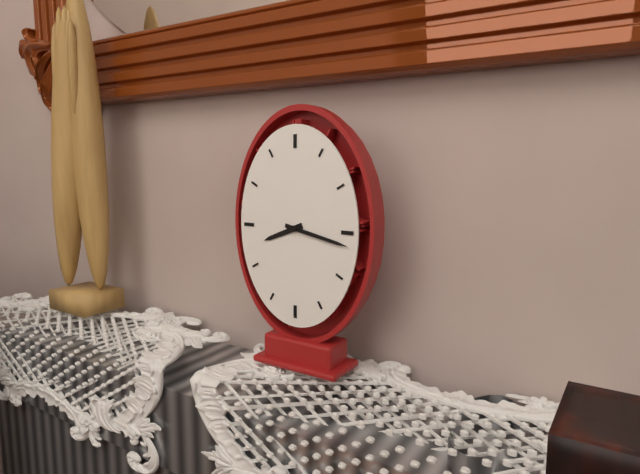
{"hour": 8, "minute": 17}
